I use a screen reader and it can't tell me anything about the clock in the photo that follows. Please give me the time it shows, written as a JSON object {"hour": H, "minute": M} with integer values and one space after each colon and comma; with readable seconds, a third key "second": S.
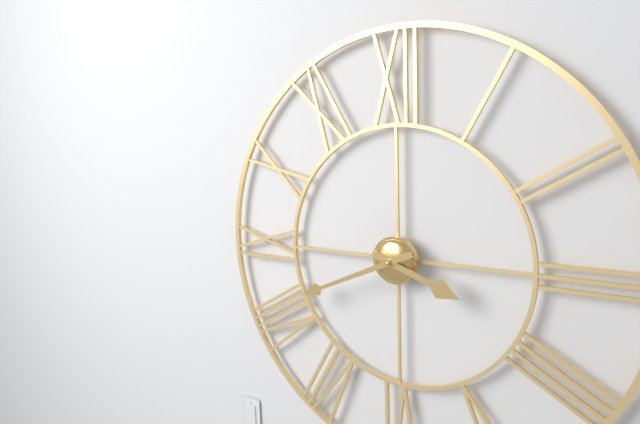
{"hour": 3, "minute": 41}
